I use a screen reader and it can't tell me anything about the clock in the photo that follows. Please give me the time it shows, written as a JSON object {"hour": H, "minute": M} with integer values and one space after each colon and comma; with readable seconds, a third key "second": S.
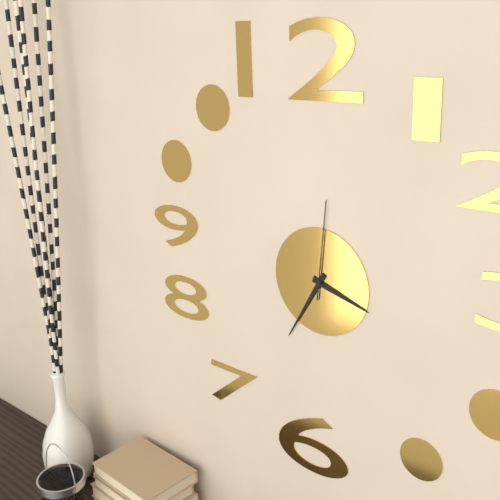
{"hour": 3, "minute": 35, "second": 1}
